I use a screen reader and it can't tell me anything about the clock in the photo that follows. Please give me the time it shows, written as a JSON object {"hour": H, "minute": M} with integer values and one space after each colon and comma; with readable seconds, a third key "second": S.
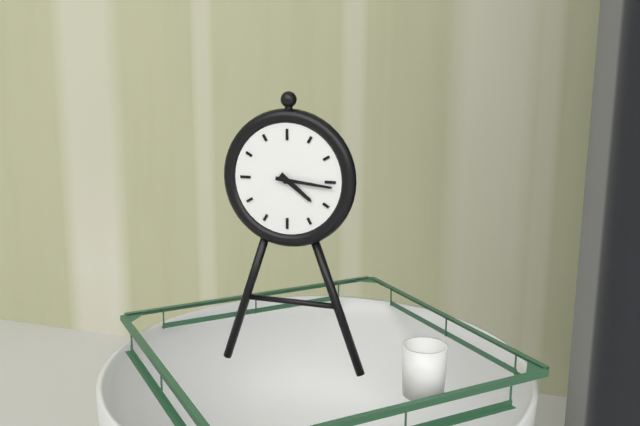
{"hour": 4, "minute": 16}
